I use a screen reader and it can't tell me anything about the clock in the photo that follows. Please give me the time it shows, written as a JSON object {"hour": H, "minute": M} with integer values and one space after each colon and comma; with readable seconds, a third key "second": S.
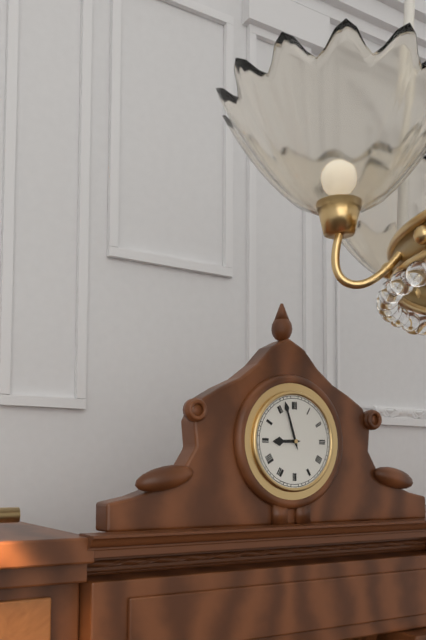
{"hour": 8, "minute": 57}
